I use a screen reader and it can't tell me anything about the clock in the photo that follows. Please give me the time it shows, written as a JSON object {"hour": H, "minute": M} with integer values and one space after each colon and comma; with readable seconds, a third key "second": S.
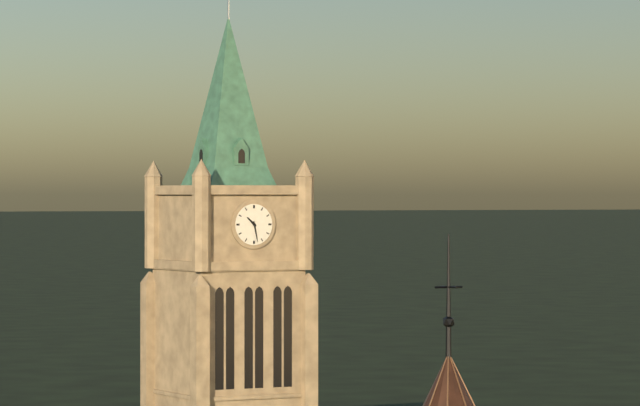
{"hour": 10, "minute": 28}
